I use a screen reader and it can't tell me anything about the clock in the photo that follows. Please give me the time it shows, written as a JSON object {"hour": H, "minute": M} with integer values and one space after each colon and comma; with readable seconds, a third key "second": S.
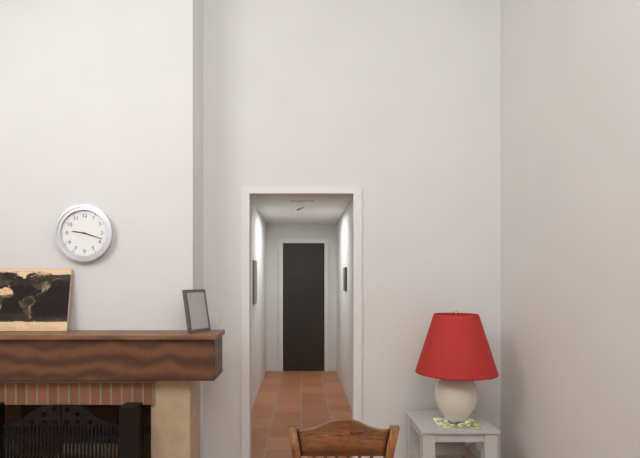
{"hour": 9, "minute": 18}
